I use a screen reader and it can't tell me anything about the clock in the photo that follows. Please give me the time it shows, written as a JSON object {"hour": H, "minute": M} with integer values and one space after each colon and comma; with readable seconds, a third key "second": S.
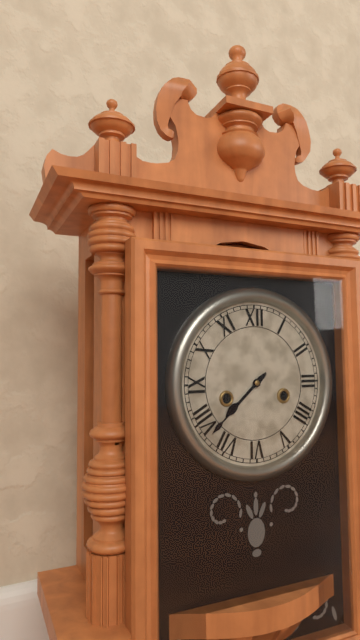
{"hour": 7, "minute": 38}
